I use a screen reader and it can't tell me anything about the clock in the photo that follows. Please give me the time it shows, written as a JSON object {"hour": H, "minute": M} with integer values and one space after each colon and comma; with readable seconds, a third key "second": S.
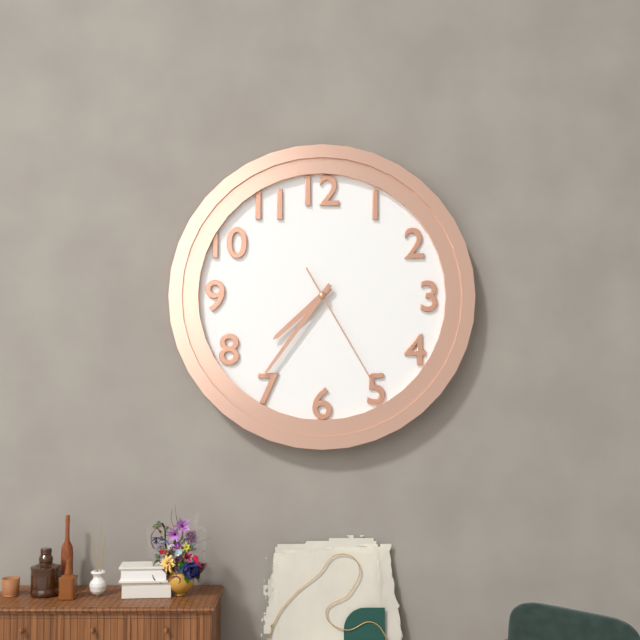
{"hour": 7, "minute": 36, "second": 25}
